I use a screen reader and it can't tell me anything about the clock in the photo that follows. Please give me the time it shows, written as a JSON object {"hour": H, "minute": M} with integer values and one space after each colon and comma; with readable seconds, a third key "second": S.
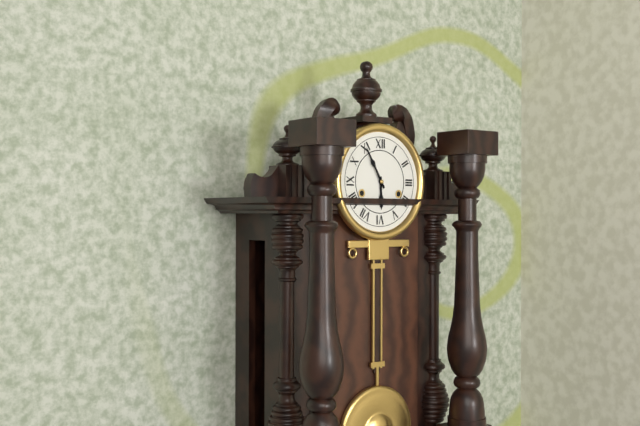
{"hour": 5, "minute": 55}
